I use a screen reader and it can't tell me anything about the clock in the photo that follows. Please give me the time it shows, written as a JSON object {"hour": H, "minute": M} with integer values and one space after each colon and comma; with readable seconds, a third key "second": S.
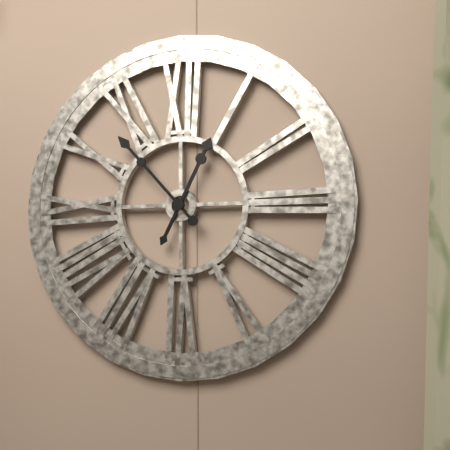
{"hour": 12, "minute": 53}
